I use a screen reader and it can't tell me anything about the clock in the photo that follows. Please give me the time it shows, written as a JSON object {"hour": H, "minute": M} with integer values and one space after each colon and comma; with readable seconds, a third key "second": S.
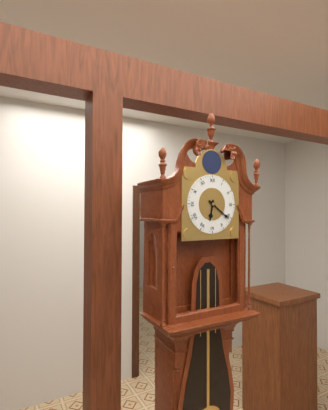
{"hour": 6, "minute": 21}
